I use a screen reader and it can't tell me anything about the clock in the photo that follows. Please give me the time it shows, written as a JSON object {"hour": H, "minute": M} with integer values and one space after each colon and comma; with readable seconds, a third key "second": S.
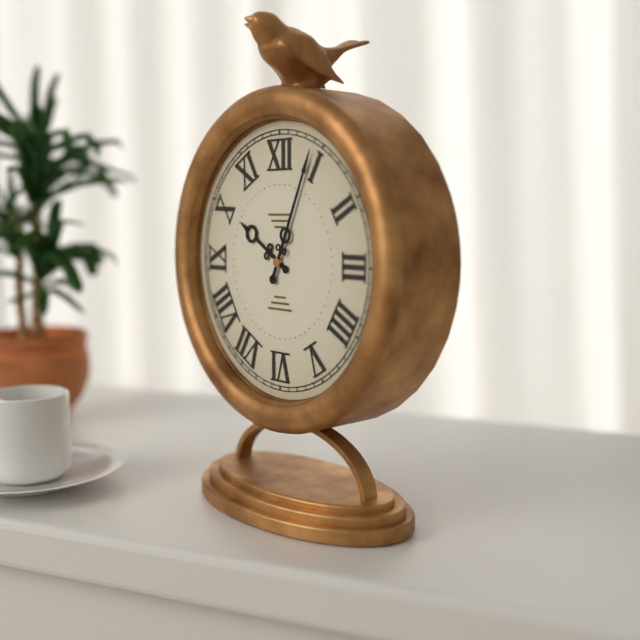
{"hour": 10, "minute": 4}
